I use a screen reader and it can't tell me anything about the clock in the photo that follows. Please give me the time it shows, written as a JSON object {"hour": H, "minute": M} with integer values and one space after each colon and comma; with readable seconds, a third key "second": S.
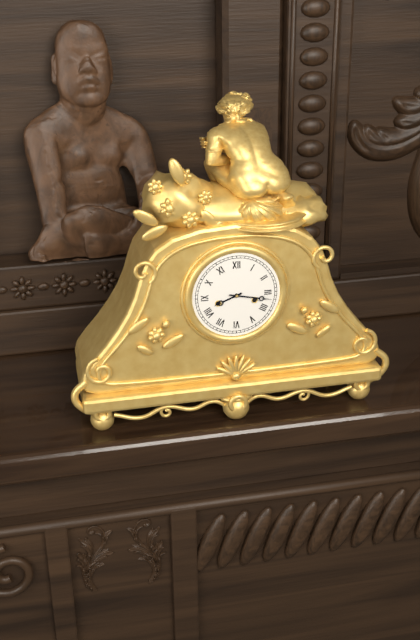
{"hour": 8, "minute": 17}
